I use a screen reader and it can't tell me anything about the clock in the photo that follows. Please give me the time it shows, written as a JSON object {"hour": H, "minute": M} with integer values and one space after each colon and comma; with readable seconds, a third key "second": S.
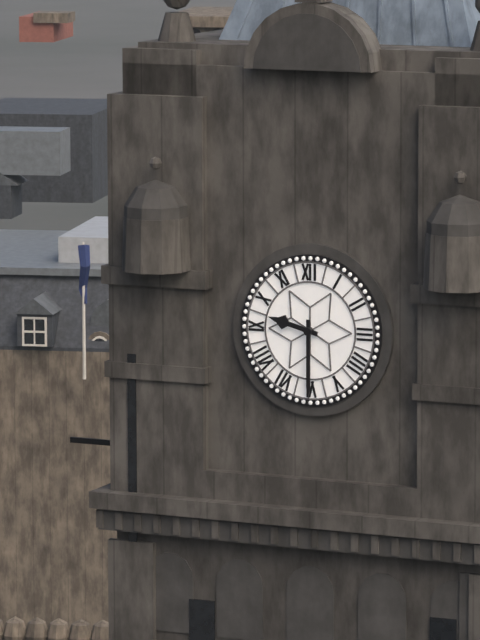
{"hour": 9, "minute": 30}
